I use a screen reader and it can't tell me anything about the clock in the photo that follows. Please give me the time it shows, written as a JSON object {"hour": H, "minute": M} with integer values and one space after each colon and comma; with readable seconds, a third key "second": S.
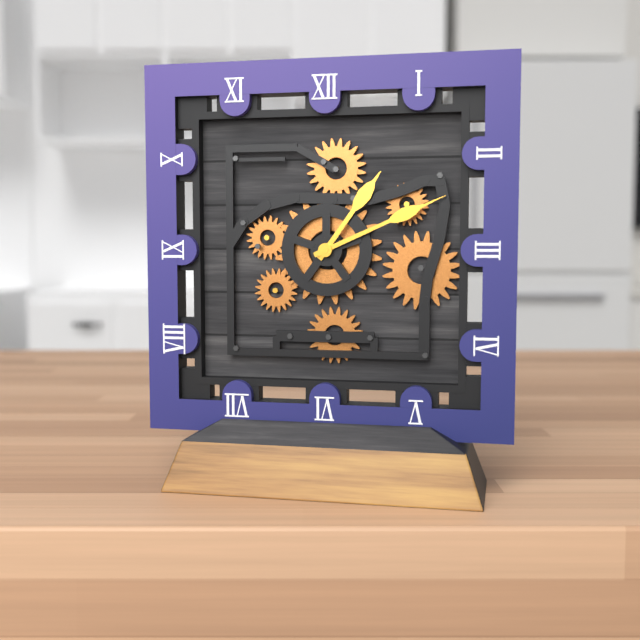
{"hour": 1, "minute": 11}
